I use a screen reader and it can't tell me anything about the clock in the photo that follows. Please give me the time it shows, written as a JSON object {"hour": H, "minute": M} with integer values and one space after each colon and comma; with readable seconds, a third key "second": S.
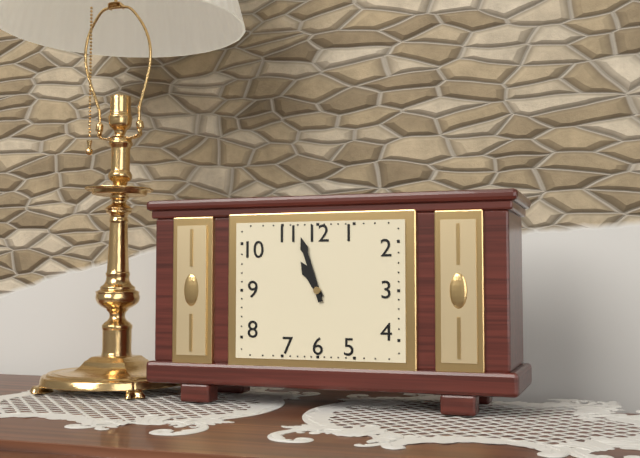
{"hour": 10, "minute": 57}
